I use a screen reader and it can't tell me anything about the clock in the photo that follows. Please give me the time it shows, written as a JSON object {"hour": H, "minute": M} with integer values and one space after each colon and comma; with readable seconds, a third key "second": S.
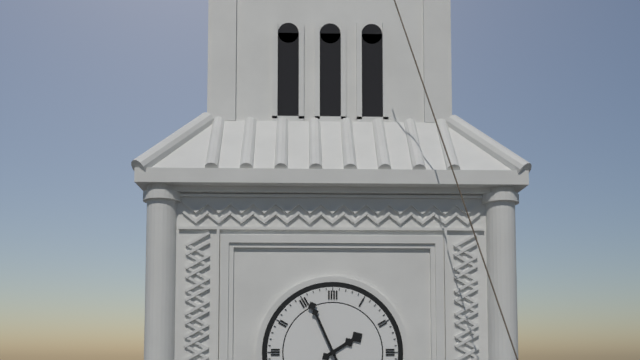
{"hour": 1, "minute": 56}
